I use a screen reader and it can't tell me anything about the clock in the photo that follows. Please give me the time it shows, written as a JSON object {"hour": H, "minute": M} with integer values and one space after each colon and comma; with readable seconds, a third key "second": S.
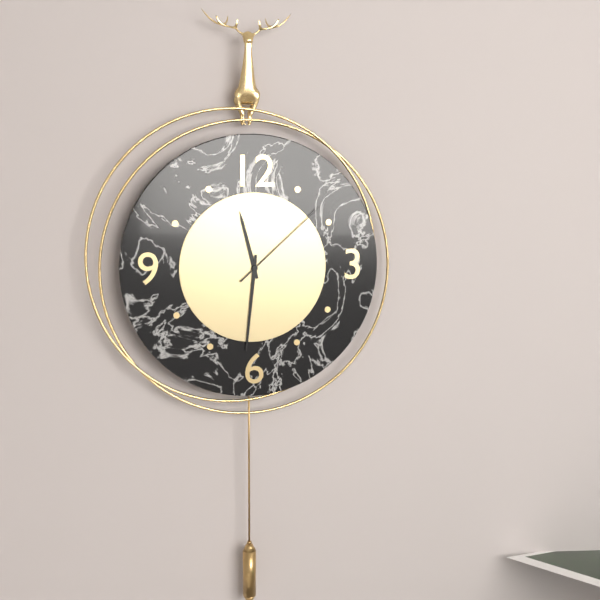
{"hour": 11, "minute": 31, "second": 8}
